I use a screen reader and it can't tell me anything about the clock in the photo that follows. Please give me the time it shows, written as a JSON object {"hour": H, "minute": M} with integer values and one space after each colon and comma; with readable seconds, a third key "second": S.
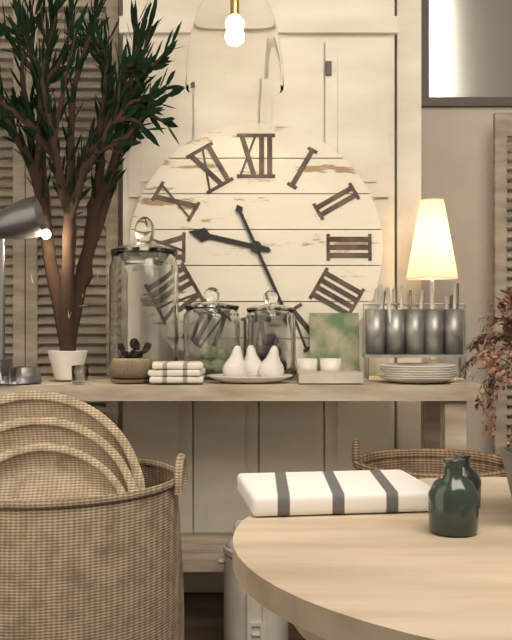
{"hour": 9, "minute": 26}
